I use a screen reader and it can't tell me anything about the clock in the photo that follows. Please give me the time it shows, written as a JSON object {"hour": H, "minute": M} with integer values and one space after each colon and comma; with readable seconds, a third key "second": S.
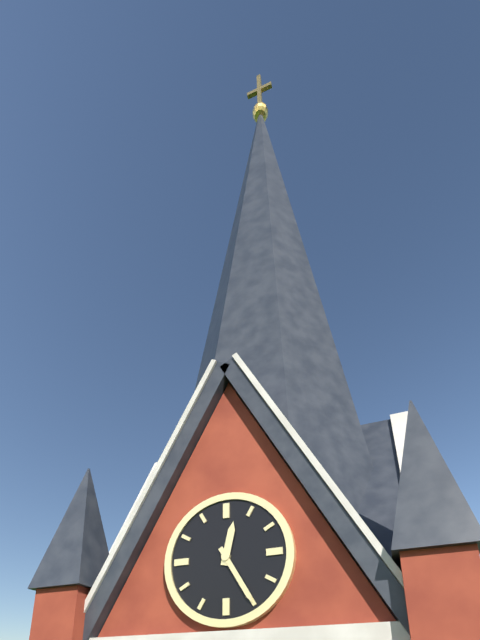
{"hour": 12, "minute": 25}
